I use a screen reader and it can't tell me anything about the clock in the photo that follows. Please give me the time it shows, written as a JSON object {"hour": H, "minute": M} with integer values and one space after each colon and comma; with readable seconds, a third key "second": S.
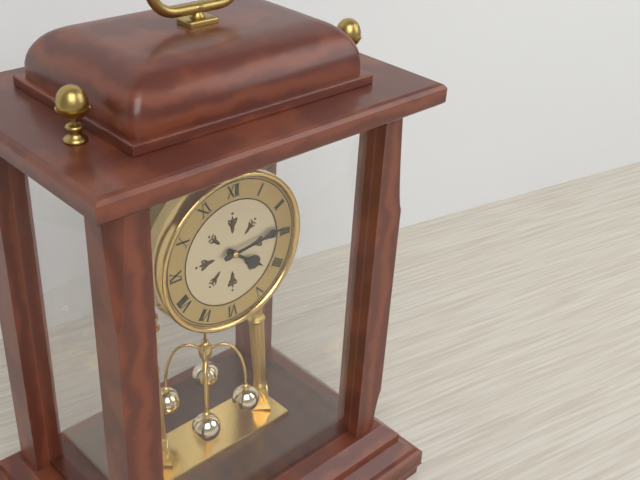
{"hour": 4, "minute": 14}
